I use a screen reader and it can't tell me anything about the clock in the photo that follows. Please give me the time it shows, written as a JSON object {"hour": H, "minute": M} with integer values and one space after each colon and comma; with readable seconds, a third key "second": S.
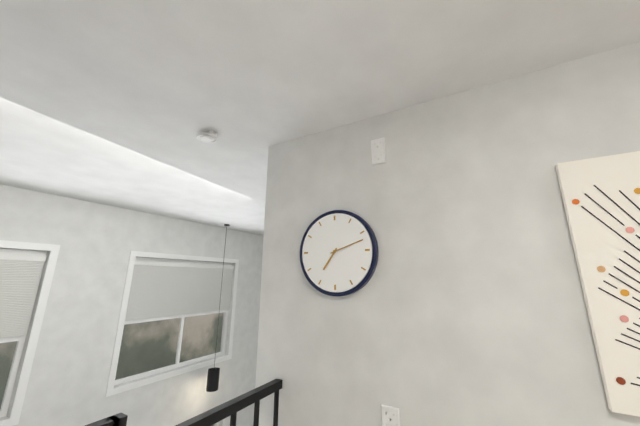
{"hour": 7, "minute": 12}
